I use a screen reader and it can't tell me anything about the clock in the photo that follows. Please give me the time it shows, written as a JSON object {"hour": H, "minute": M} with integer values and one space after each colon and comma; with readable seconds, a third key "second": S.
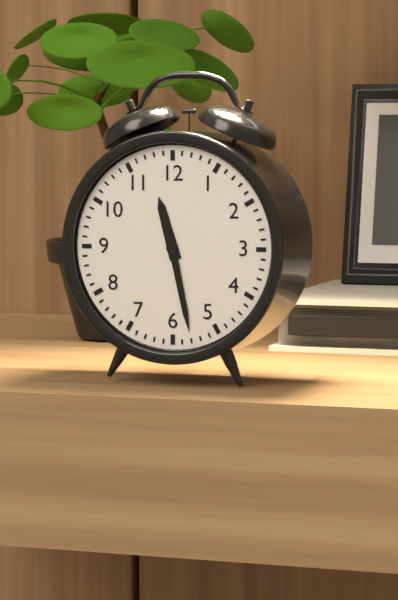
{"hour": 11, "minute": 28}
